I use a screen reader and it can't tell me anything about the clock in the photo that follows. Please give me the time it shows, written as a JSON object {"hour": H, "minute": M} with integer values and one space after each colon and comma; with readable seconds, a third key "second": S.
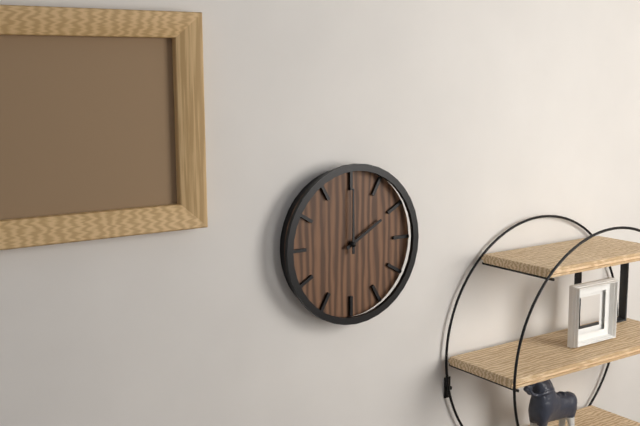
{"hour": 2, "minute": 0}
